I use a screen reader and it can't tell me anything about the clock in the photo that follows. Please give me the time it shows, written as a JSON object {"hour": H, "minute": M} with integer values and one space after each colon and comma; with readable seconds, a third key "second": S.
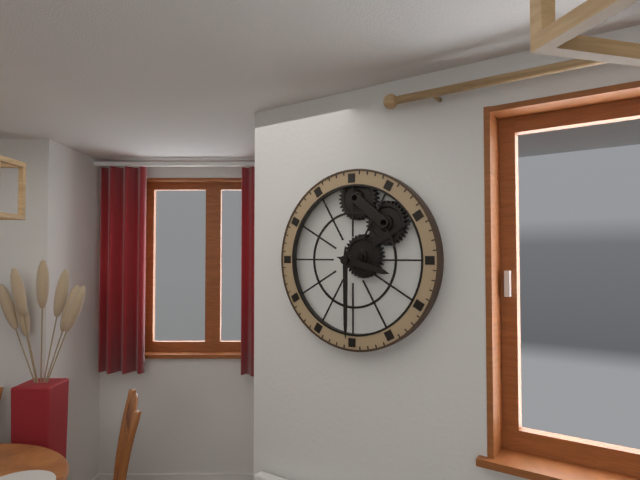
{"hour": 3, "minute": 30}
